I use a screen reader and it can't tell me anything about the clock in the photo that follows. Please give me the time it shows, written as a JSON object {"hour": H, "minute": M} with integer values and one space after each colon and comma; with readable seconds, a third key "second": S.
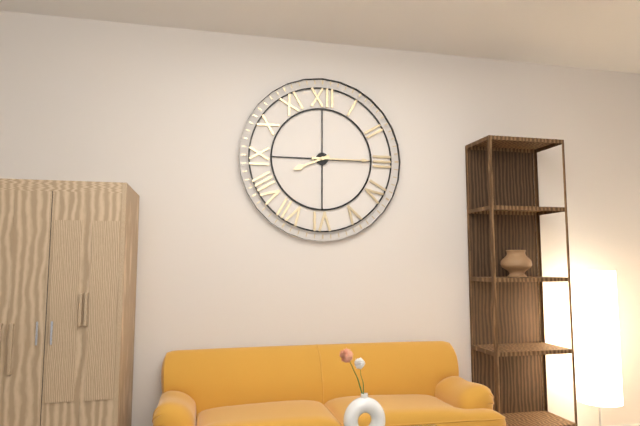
{"hour": 8, "minute": 15}
